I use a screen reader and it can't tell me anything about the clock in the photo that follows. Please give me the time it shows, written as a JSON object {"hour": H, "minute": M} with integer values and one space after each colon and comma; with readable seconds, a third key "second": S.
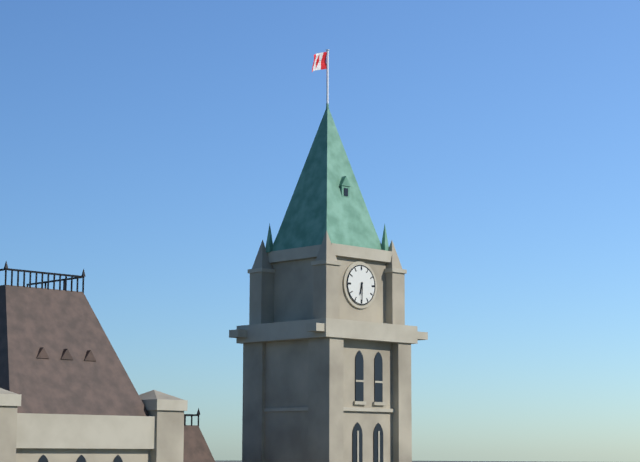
{"hour": 6, "minute": 30}
